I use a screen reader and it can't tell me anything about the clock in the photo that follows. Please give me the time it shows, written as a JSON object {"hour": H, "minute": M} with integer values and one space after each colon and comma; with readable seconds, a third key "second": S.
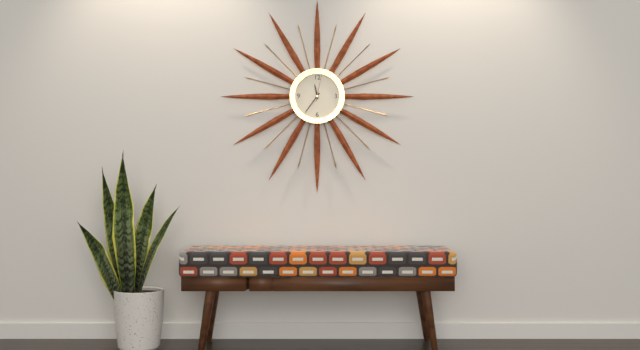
{"hour": 11, "minute": 36}
